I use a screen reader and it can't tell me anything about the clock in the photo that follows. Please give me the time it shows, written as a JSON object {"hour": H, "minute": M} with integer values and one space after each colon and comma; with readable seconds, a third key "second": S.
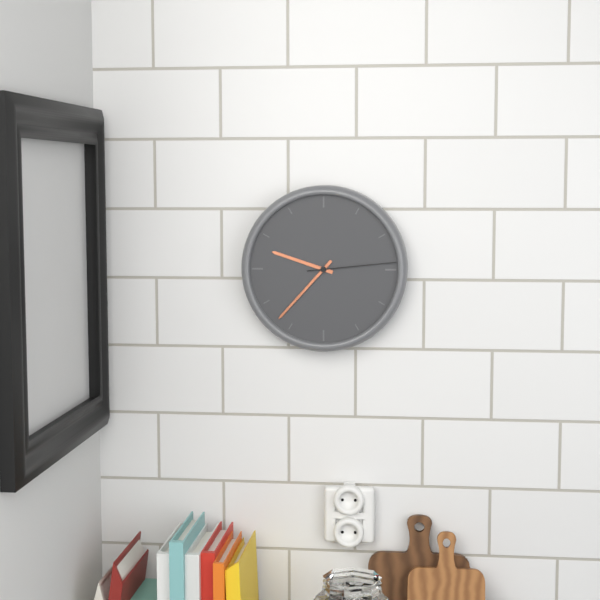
{"hour": 9, "minute": 37, "second": 14}
